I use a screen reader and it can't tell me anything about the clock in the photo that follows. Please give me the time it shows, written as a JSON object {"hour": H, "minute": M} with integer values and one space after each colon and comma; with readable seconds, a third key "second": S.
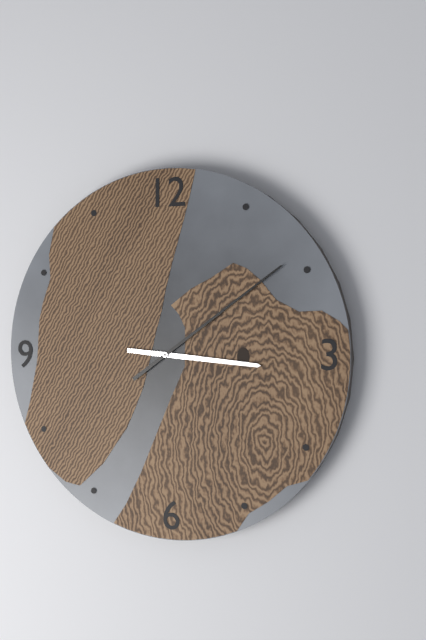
{"hour": 3, "minute": 9}
